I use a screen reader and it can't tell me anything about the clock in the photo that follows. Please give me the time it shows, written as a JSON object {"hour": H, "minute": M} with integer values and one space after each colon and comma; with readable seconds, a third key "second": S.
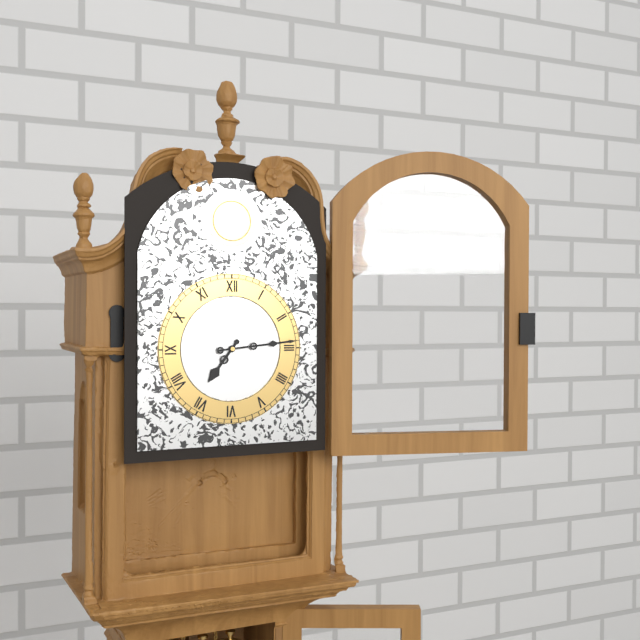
{"hour": 7, "minute": 14}
